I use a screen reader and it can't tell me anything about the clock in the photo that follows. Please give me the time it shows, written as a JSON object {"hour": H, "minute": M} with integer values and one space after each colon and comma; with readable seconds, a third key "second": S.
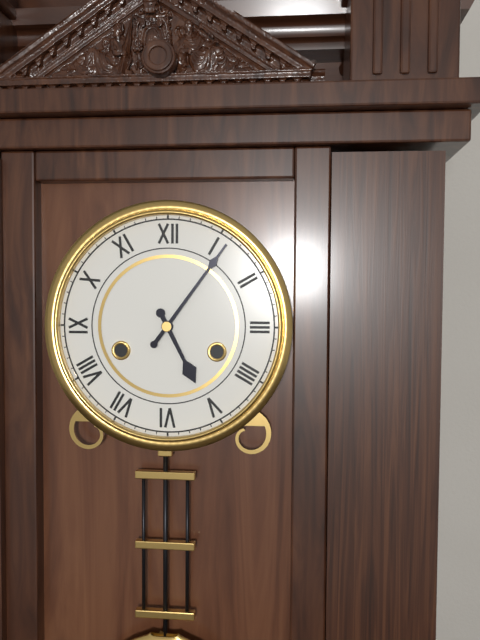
{"hour": 5, "minute": 6}
